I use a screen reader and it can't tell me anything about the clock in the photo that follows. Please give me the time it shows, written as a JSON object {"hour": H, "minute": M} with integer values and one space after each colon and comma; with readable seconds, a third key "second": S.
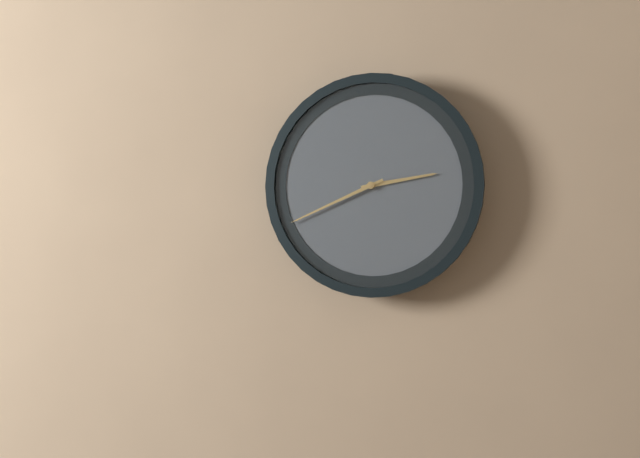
{"hour": 2, "minute": 41}
